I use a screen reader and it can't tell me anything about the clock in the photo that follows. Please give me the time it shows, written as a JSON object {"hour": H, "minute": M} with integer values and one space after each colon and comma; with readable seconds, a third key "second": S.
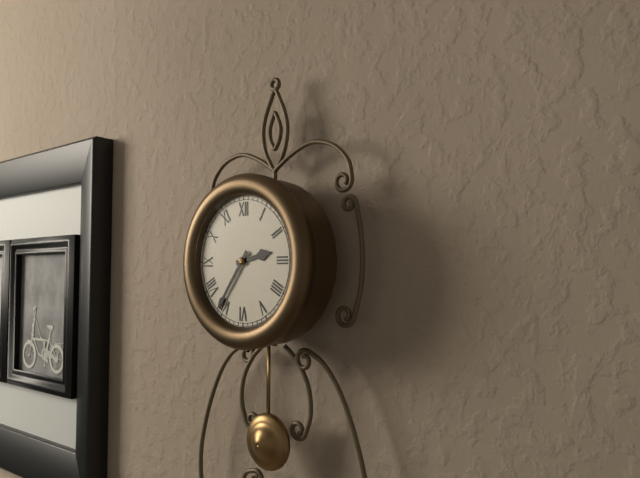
{"hour": 2, "minute": 36}
